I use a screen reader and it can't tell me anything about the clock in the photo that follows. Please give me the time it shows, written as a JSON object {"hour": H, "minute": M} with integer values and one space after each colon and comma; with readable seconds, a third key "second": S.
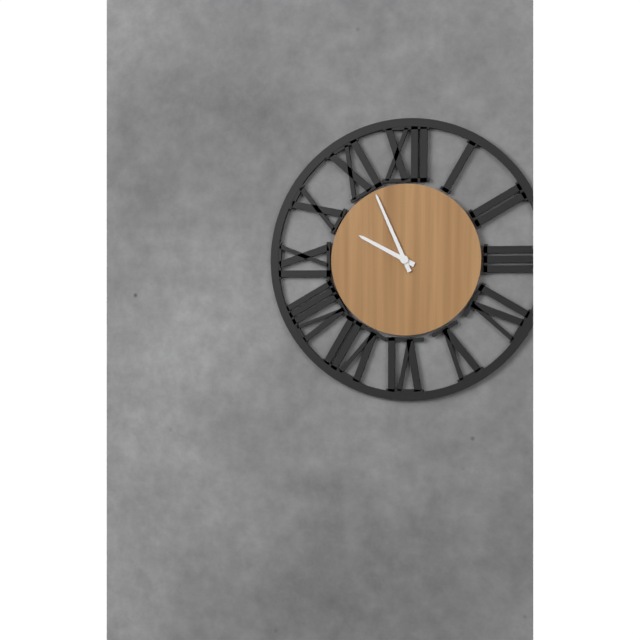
{"hour": 9, "minute": 56}
